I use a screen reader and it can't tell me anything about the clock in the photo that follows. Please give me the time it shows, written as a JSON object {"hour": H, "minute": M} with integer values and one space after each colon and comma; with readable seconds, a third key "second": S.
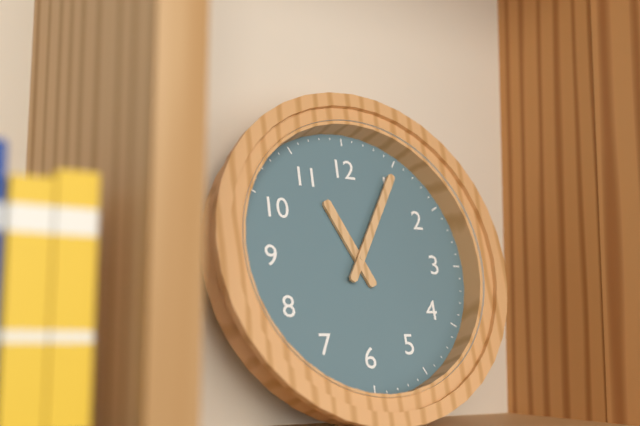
{"hour": 11, "minute": 5}
